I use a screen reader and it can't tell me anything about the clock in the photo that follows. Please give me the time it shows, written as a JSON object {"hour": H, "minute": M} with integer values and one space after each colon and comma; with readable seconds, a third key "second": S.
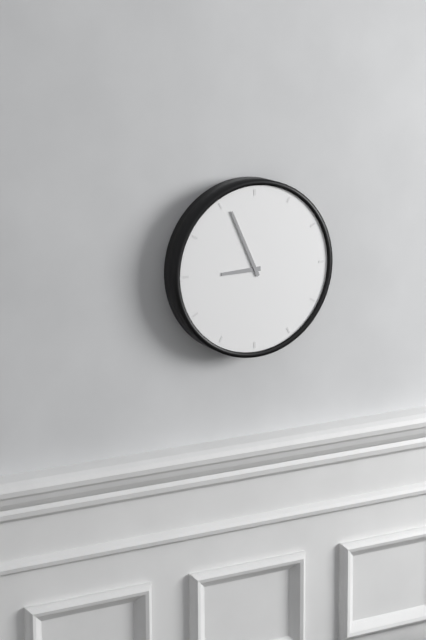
{"hour": 8, "minute": 56}
